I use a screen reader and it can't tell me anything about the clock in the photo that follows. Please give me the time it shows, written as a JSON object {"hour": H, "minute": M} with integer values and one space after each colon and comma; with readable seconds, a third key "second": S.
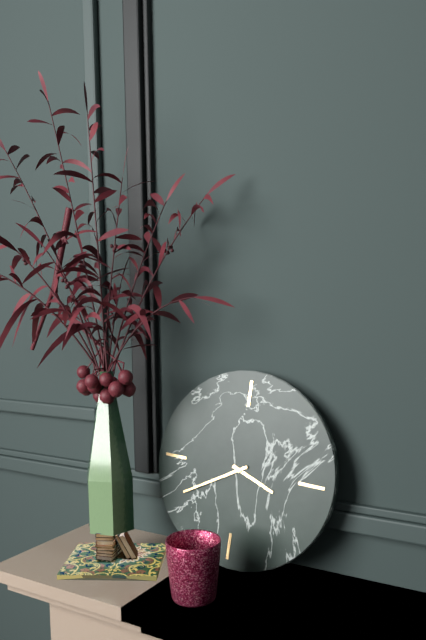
{"hour": 3, "minute": 40}
